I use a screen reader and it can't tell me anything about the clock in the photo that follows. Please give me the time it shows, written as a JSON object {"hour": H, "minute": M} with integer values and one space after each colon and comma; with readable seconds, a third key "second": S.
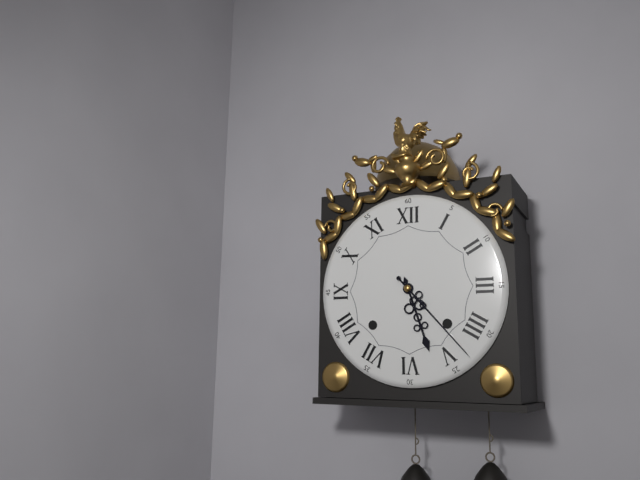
{"hour": 5, "minute": 23}
